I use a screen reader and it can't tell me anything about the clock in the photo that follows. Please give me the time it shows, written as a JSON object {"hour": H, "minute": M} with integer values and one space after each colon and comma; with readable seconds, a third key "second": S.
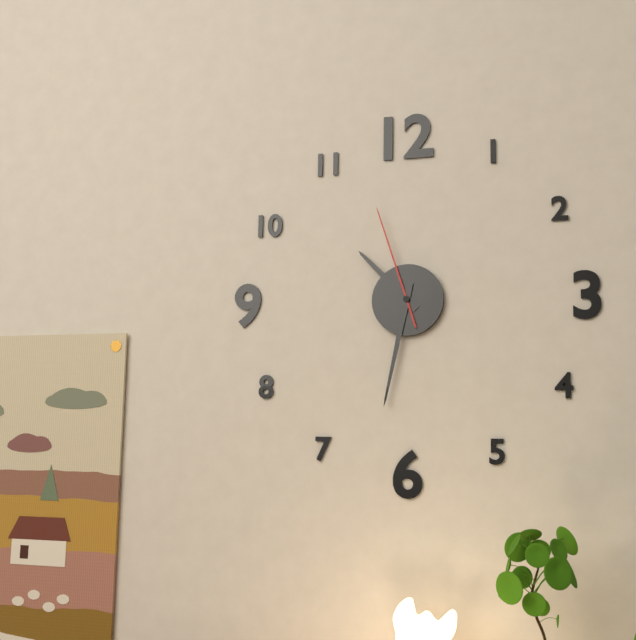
{"hour": 10, "minute": 32, "second": 57}
